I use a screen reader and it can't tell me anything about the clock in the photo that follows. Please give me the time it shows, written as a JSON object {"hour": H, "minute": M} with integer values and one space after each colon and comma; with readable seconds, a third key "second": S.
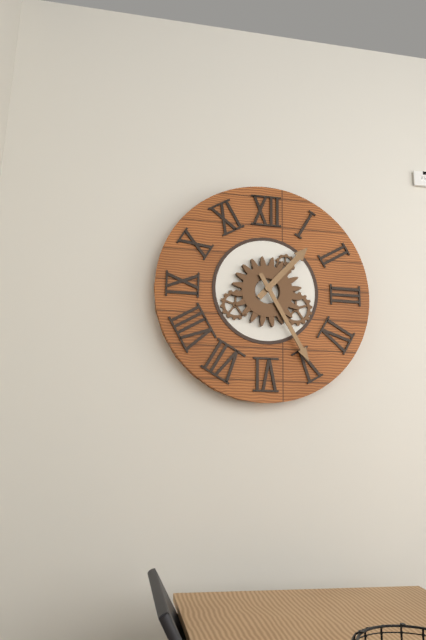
{"hour": 1, "minute": 25}
